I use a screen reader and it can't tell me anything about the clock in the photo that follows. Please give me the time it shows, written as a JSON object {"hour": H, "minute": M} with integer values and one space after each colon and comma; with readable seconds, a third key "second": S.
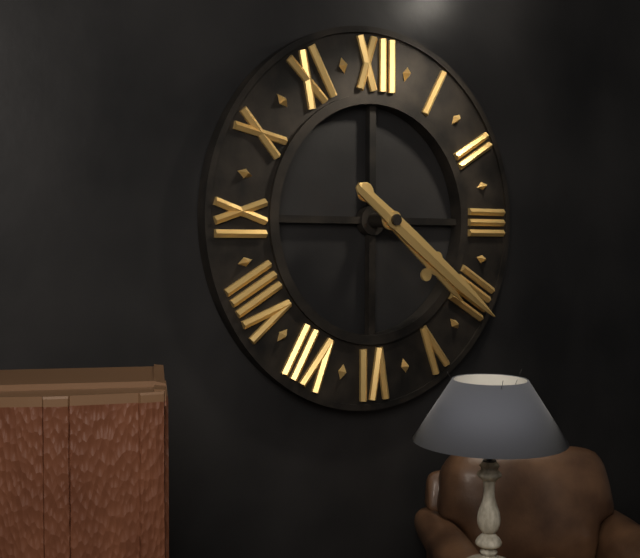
{"hour": 4, "minute": 21}
